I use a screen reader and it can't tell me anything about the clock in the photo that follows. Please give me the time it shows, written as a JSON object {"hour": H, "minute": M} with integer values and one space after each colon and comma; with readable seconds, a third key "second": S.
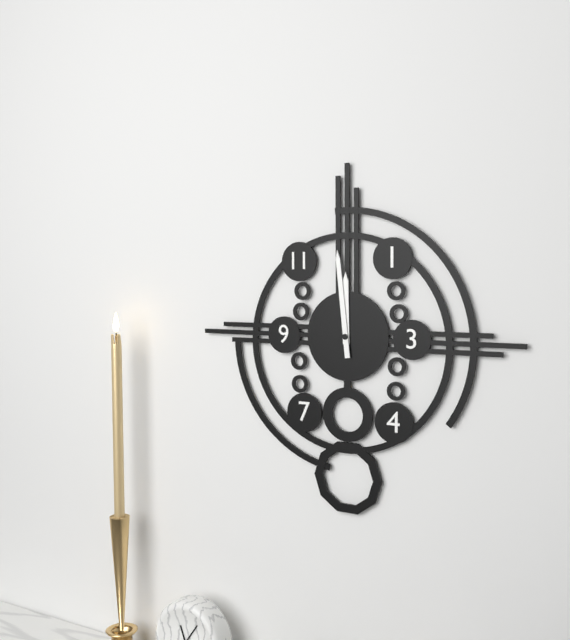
{"hour": 11, "minute": 59}
